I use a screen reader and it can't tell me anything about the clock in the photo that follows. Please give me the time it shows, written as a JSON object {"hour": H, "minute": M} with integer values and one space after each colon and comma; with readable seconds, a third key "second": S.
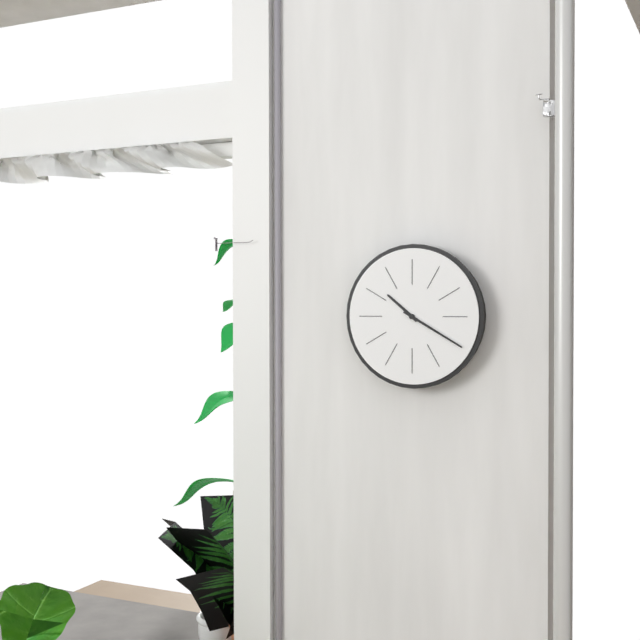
{"hour": 10, "minute": 20}
